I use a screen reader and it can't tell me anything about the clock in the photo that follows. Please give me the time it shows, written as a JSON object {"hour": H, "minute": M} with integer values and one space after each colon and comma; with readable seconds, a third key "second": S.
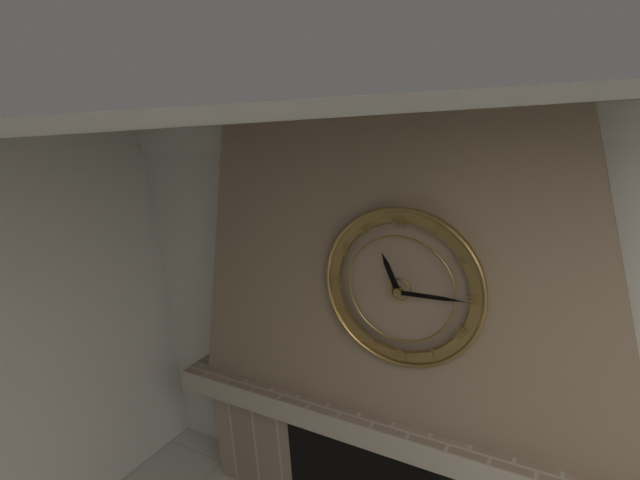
{"hour": 11, "minute": 15}
